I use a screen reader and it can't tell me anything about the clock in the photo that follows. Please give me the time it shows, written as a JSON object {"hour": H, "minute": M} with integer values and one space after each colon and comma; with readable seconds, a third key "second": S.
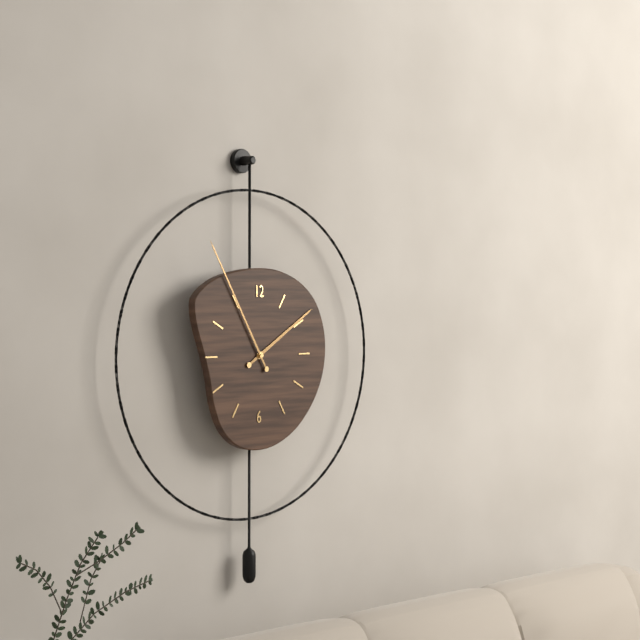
{"hour": 1, "minute": 55}
